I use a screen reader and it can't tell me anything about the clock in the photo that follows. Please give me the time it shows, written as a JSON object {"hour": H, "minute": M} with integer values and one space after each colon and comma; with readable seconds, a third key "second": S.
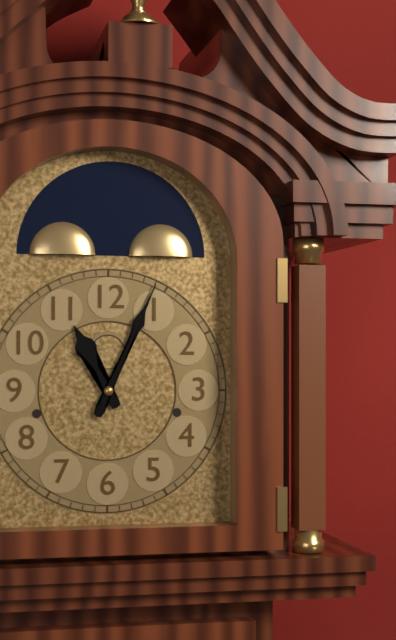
{"hour": 11, "minute": 4}
